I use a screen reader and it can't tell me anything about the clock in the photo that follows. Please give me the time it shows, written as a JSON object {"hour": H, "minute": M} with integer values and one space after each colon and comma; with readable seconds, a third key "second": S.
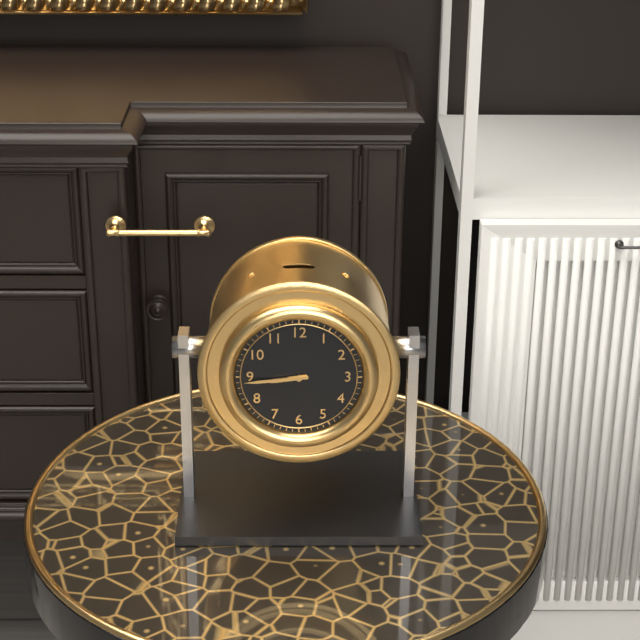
{"hour": 8, "minute": 44}
